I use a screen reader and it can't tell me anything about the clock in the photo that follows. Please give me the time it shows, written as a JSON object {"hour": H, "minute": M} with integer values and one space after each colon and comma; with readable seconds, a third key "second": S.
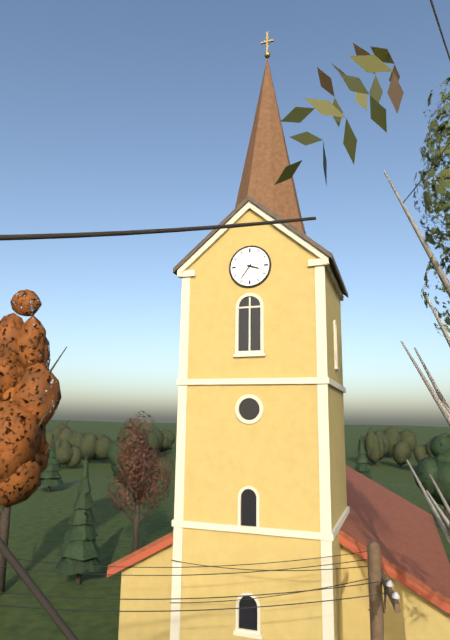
{"hour": 3, "minute": 36}
